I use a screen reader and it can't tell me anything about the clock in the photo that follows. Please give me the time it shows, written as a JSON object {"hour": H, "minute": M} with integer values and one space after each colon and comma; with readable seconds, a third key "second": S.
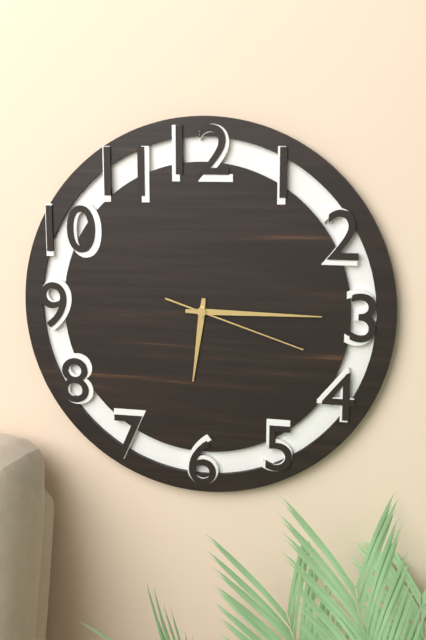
{"hour": 6, "minute": 15, "second": 18}
